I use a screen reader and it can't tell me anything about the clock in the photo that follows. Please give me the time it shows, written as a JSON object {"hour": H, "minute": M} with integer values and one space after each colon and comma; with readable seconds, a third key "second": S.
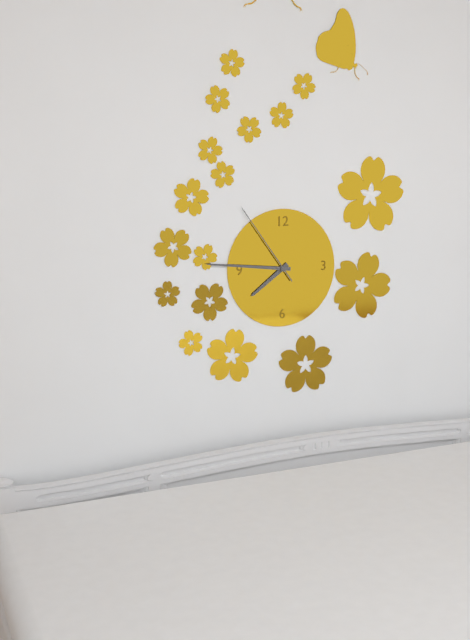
{"hour": 7, "minute": 46, "second": 54}
